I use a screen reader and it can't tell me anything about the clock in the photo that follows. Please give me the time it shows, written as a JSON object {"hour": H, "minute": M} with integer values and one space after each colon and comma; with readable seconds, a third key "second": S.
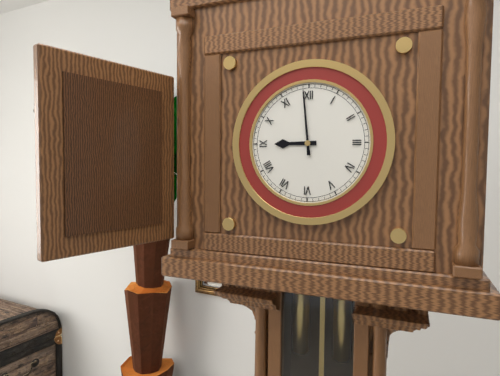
{"hour": 8, "minute": 59}
